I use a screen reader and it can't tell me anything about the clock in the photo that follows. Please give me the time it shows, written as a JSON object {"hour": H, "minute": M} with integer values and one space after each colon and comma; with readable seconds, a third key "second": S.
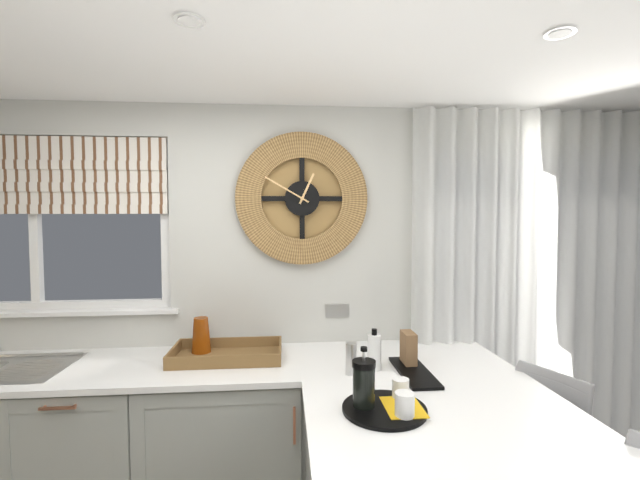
{"hour": 12, "minute": 50}
